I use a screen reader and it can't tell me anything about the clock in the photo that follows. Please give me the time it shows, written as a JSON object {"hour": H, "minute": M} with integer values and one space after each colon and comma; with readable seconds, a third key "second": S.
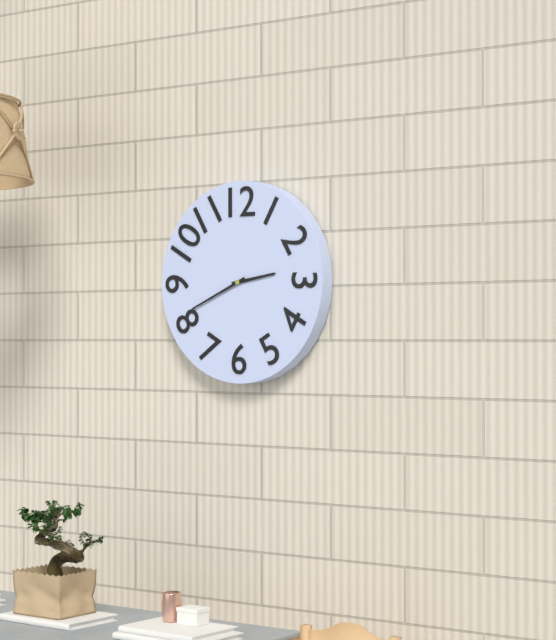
{"hour": 2, "minute": 41}
